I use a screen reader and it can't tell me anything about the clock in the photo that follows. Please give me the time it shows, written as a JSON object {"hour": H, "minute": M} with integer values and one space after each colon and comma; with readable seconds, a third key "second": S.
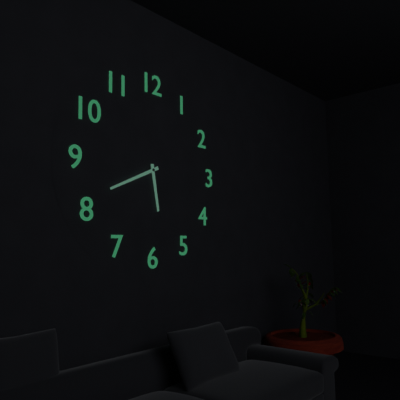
{"hour": 5, "minute": 41}
